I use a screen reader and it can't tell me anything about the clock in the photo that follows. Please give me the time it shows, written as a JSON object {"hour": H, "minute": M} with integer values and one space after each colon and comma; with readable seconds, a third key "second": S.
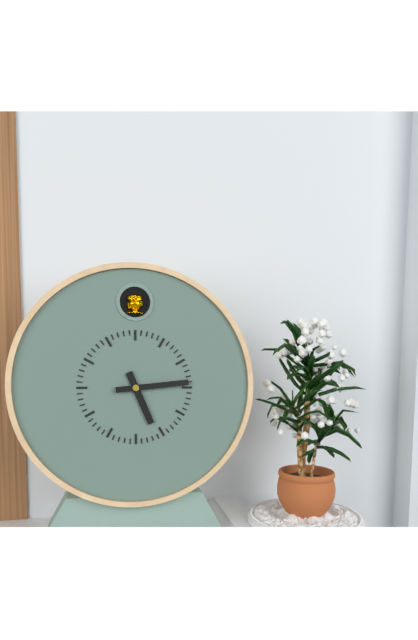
{"hour": 5, "minute": 14}
